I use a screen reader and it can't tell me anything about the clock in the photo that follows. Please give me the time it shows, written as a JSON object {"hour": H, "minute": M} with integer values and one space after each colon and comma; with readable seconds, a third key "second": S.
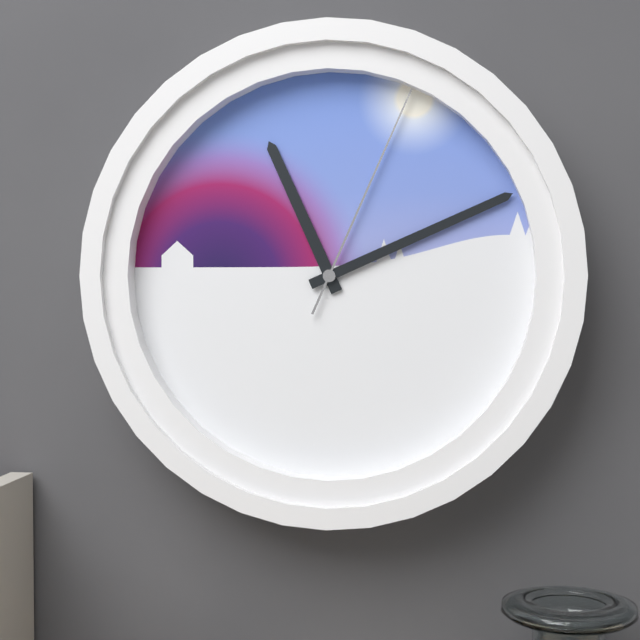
{"hour": 11, "minute": 11, "second": 4}
